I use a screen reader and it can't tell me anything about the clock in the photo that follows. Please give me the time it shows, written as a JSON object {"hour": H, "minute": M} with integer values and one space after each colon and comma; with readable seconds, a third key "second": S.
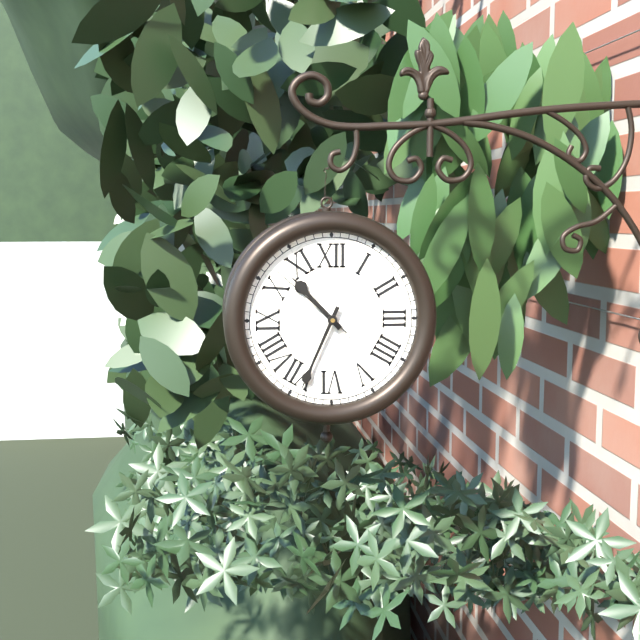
{"hour": 10, "minute": 34, "second": 52}
